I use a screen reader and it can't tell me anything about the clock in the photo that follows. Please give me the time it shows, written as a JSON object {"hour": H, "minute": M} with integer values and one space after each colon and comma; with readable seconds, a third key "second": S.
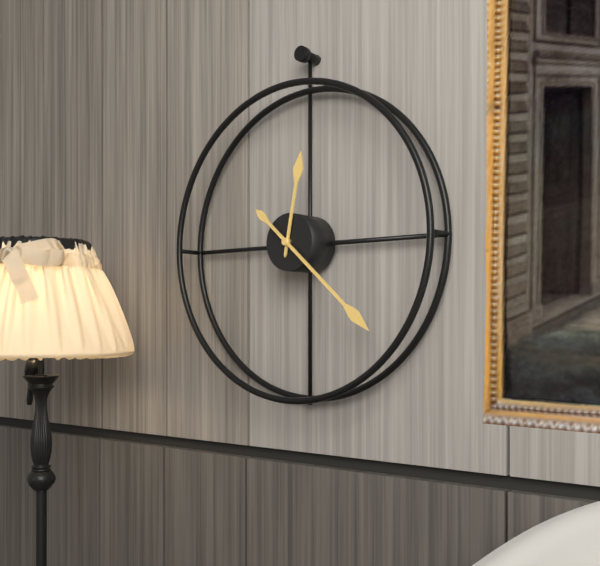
{"hour": 12, "minute": 22}
